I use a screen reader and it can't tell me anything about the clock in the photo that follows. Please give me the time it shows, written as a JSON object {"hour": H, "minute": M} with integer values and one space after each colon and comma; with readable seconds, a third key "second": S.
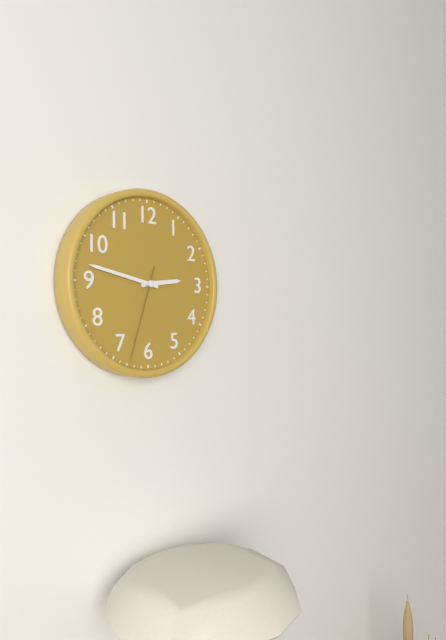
{"hour": 2, "minute": 47, "second": 33}
